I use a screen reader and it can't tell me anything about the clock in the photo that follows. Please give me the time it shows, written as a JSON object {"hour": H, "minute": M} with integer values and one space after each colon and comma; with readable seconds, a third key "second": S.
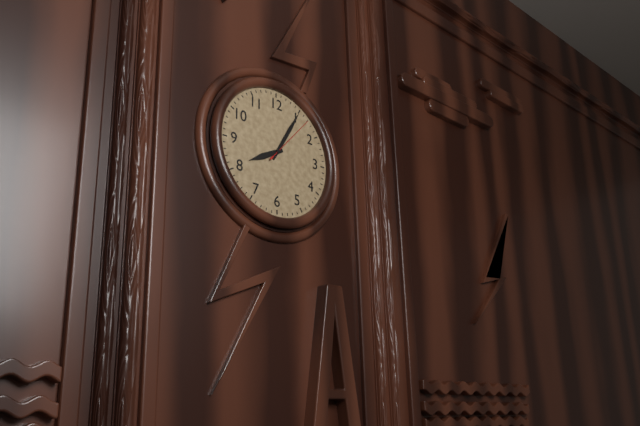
{"hour": 8, "minute": 5, "second": 7}
